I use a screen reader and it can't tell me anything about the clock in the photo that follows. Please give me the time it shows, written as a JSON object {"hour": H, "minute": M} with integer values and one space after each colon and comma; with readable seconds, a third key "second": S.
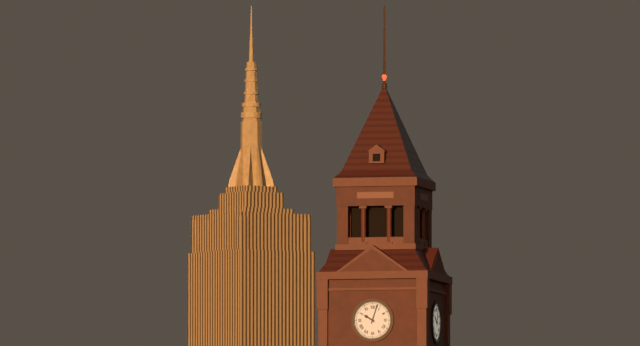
{"hour": 10, "minute": 3}
